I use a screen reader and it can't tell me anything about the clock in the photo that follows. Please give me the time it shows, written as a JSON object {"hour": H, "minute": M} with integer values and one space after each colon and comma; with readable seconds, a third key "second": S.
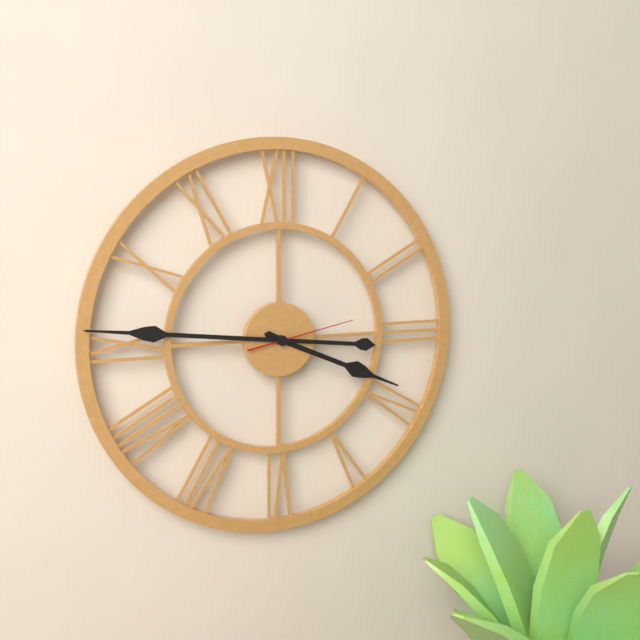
{"hour": 3, "minute": 46, "second": 13}
